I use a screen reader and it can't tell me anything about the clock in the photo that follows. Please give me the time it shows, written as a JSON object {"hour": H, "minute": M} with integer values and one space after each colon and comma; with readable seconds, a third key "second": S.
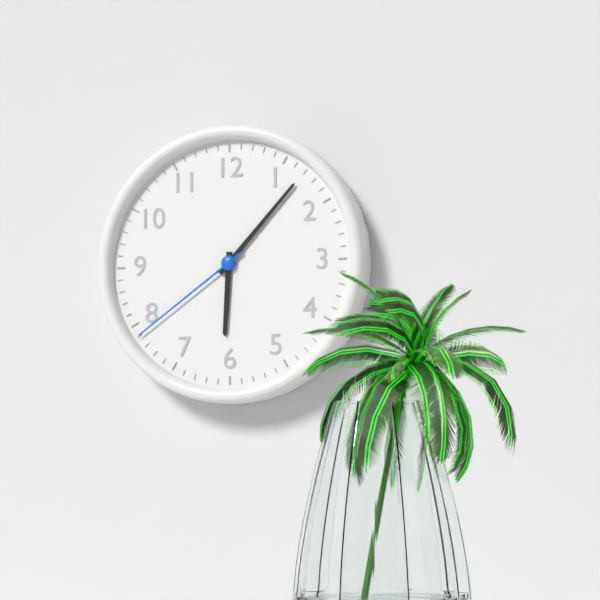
{"hour": 6, "minute": 7, "second": 39}
